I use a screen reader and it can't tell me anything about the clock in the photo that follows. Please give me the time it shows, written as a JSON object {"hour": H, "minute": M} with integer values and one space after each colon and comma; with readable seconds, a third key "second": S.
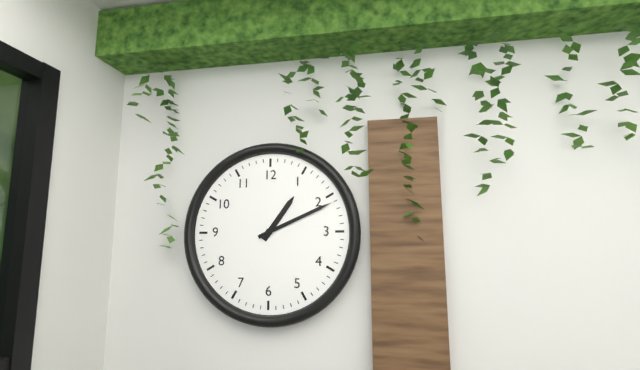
{"hour": 1, "minute": 11}
